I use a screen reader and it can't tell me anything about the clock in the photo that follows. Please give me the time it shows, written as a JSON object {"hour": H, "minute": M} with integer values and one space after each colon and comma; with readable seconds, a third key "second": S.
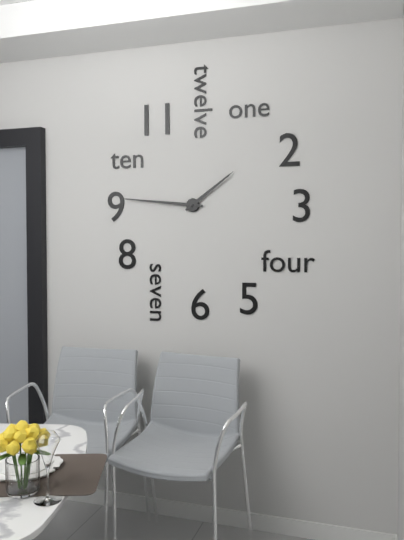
{"hour": 1, "minute": 46}
